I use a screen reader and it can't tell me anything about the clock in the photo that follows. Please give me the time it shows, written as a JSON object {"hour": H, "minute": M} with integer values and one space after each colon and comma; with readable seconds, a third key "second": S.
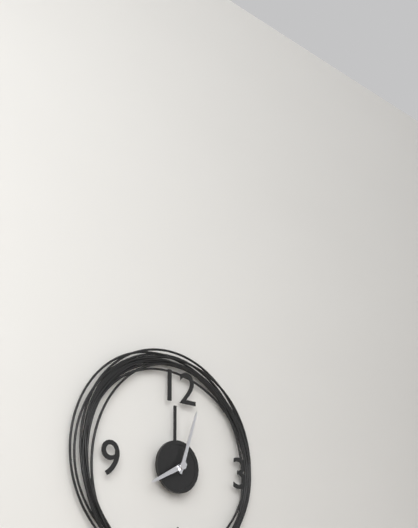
{"hour": 8, "minute": 3}
